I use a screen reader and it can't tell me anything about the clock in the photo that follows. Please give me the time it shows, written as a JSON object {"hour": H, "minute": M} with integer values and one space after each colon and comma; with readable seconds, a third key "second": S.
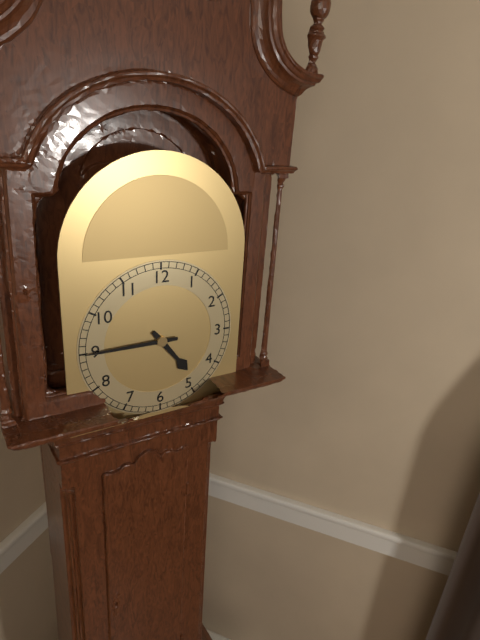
{"hour": 4, "minute": 45}
